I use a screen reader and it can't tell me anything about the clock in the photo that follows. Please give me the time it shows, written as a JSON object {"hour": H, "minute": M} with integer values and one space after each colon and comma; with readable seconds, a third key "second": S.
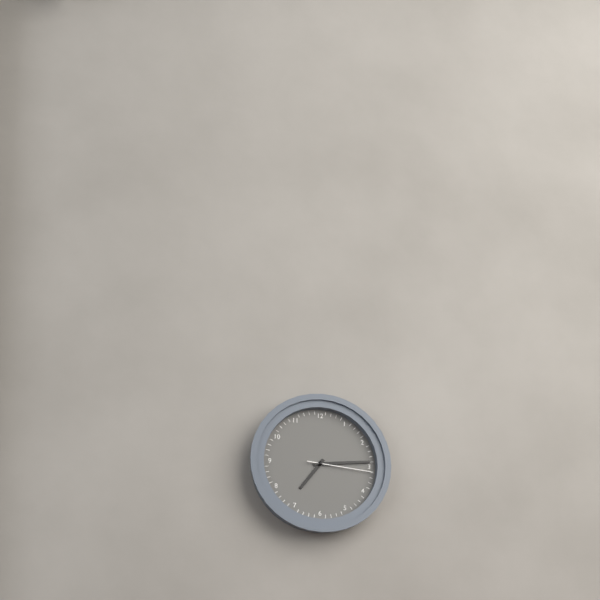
{"hour": 7, "minute": 14, "second": 16}
